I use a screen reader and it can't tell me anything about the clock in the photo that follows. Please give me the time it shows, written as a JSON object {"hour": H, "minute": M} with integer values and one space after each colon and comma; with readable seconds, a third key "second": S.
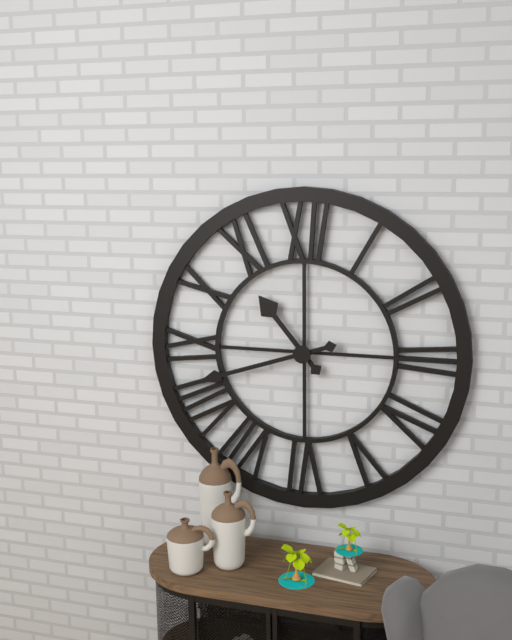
{"hour": 10, "minute": 42}
